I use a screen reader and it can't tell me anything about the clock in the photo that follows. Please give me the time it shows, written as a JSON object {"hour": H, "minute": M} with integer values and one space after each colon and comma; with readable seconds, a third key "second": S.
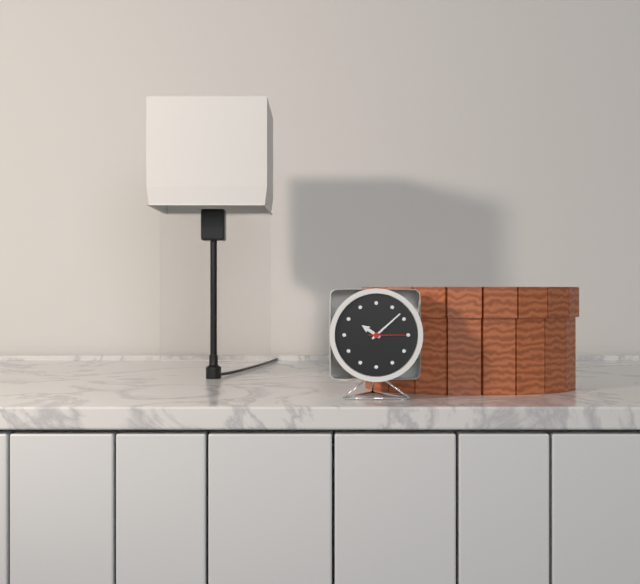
{"hour": 10, "minute": 8}
